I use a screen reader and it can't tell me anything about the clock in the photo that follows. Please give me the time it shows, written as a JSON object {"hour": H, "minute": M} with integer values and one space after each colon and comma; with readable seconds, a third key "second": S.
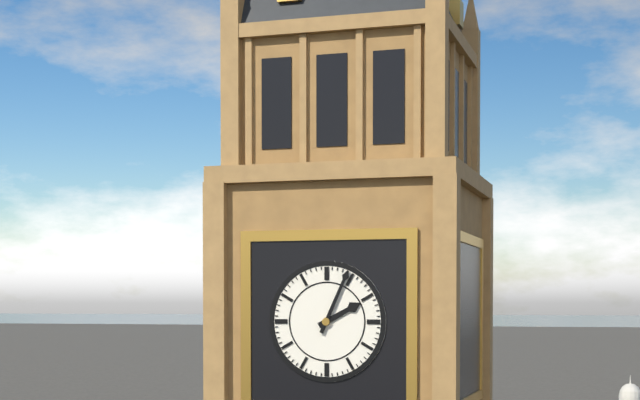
{"hour": 2, "minute": 4}
